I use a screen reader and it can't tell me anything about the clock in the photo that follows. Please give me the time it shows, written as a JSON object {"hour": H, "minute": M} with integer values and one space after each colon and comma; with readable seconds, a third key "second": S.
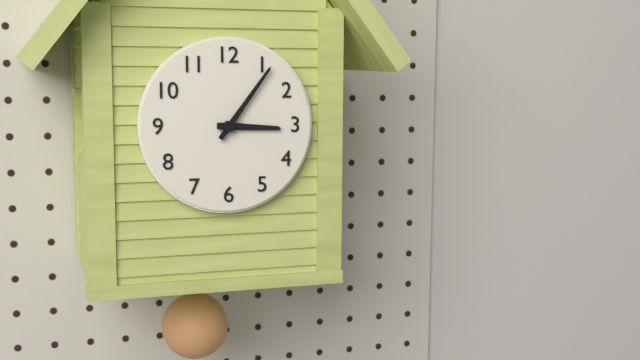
{"hour": 3, "minute": 6}
